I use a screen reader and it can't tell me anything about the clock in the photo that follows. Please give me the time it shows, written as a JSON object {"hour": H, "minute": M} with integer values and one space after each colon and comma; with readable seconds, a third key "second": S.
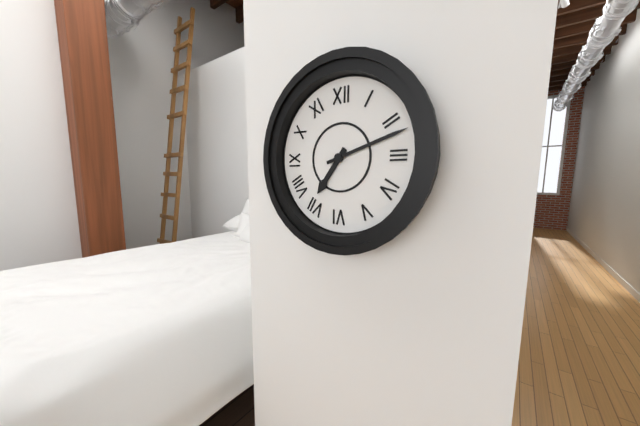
{"hour": 7, "minute": 12}
